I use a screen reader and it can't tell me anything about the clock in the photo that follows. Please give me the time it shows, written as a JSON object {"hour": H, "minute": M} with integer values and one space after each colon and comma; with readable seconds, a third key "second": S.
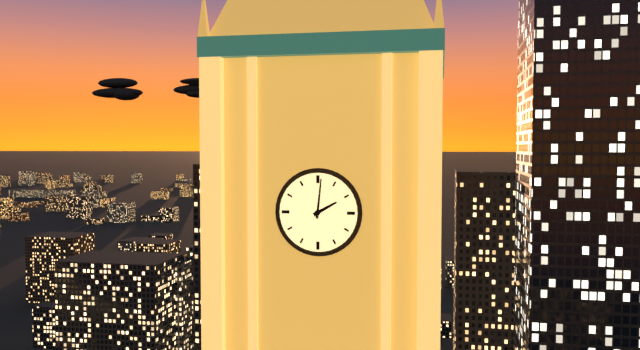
{"hour": 2, "minute": 1}
